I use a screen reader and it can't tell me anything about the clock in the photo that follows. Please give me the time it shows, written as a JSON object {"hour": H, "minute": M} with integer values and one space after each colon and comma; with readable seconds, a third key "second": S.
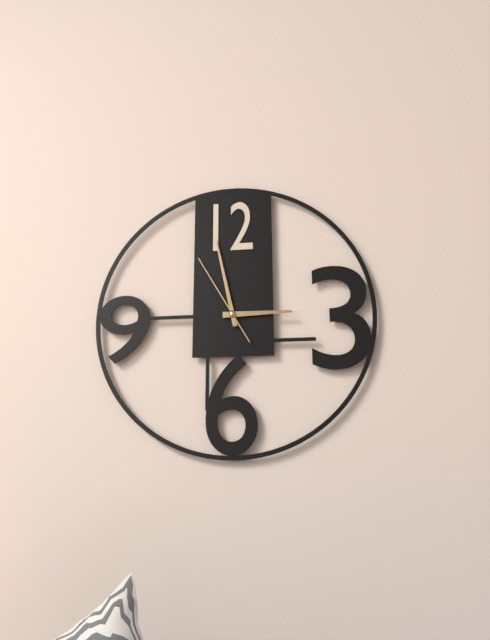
{"hour": 2, "minute": 58, "second": 55}
